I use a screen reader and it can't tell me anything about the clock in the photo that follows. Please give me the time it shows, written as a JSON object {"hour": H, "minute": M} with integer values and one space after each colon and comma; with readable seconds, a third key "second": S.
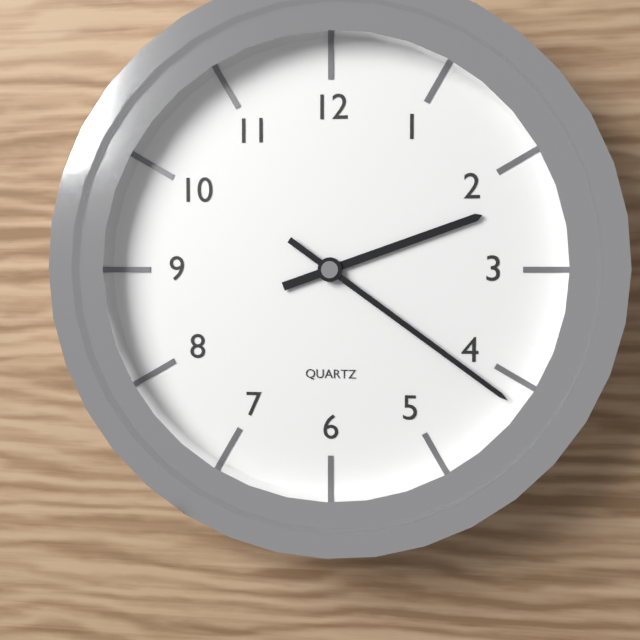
{"hour": 2, "minute": 21}
